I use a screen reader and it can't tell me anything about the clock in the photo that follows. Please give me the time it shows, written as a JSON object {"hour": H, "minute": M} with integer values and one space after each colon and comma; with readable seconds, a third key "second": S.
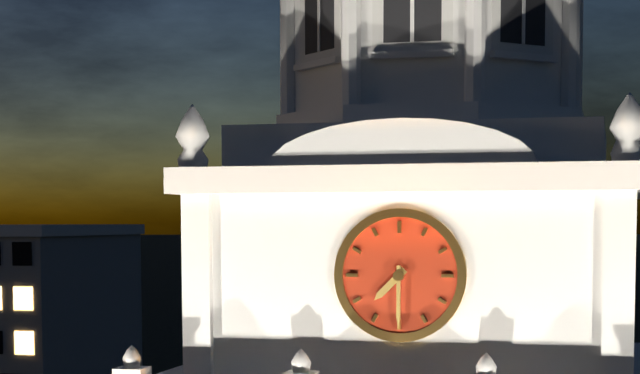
{"hour": 7, "minute": 30}
